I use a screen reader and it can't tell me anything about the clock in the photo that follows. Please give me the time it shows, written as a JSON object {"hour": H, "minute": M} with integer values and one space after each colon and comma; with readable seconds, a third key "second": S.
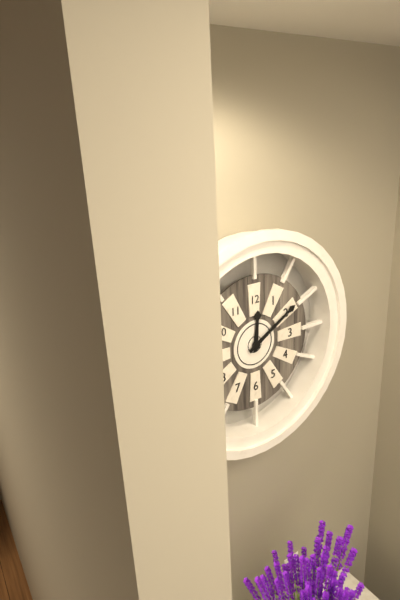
{"hour": 12, "minute": 10}
